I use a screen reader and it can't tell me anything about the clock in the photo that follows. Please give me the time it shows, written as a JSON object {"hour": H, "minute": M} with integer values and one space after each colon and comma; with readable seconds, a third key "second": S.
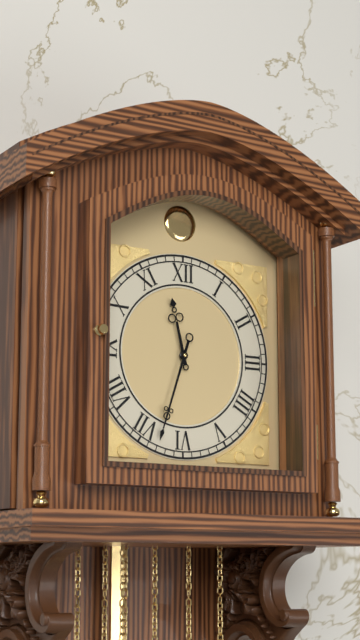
{"hour": 11, "minute": 33}
